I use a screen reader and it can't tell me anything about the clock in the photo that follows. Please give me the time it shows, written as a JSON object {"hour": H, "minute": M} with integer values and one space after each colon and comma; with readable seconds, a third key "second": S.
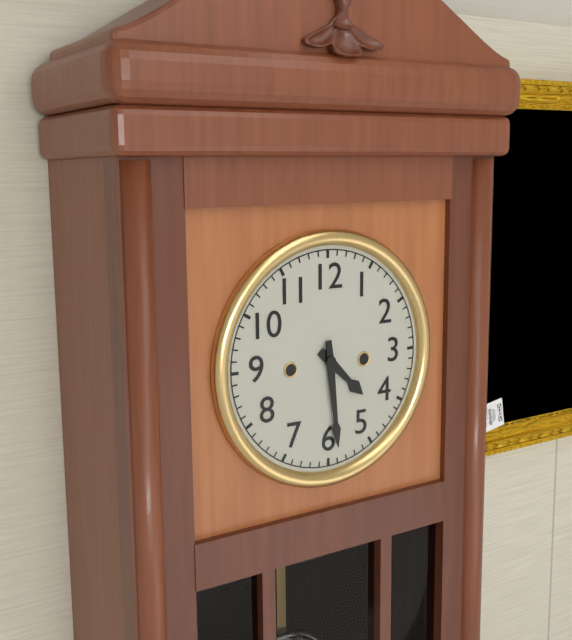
{"hour": 4, "minute": 29}
